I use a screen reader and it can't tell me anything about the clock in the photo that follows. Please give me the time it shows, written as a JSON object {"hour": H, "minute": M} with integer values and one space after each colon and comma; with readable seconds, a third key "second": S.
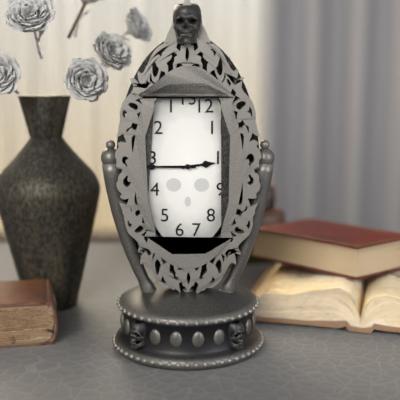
{"hour": 2, "minute": 45}
